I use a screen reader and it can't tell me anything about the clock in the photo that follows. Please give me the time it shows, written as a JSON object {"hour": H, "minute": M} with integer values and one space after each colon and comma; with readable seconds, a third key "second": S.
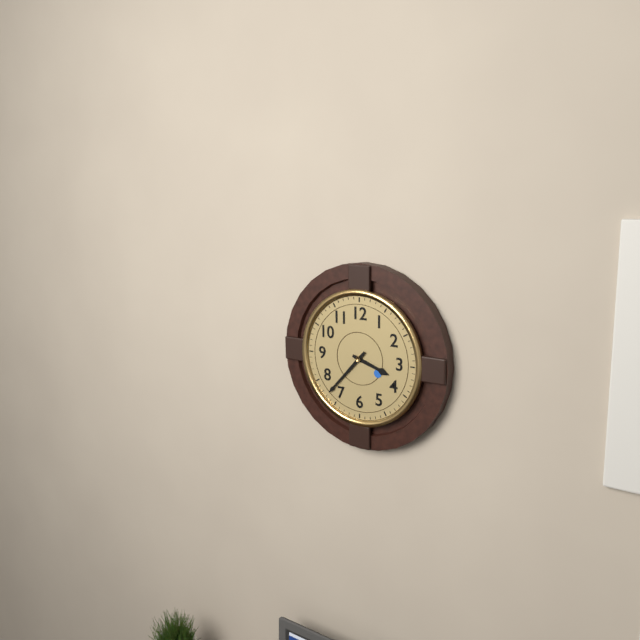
{"hour": 3, "minute": 37}
